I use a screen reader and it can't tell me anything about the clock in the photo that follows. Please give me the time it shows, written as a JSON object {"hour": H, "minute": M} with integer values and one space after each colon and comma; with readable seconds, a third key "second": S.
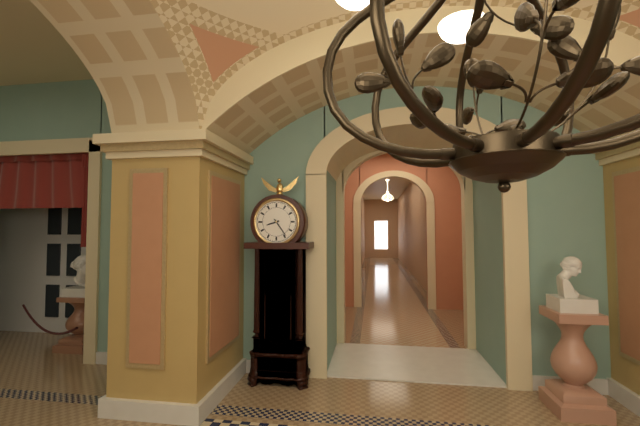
{"hour": 8, "minute": 24}
